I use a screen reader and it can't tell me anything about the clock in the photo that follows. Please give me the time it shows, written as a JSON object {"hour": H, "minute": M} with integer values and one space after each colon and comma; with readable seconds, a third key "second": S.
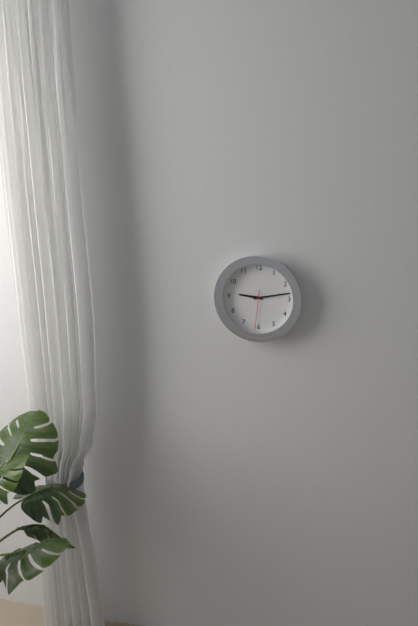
{"hour": 9, "minute": 13}
